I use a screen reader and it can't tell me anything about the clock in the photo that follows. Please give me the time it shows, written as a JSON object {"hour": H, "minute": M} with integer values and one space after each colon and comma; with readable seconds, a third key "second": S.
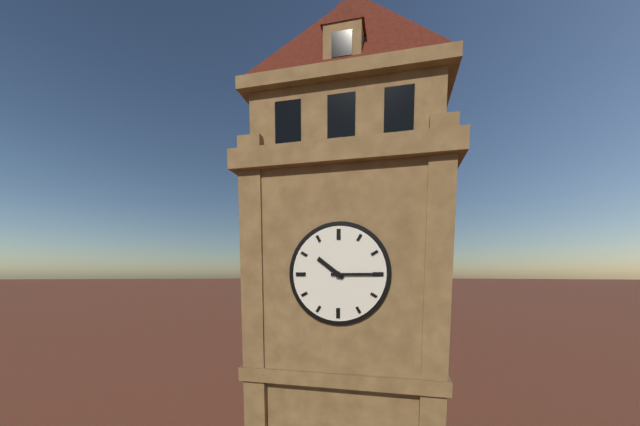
{"hour": 10, "minute": 15}
